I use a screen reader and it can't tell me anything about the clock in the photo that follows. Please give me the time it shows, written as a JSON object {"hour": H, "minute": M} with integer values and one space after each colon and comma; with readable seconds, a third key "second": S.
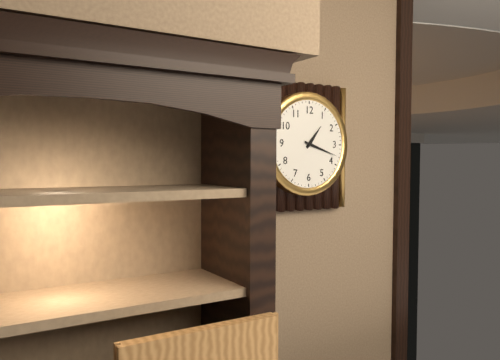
{"hour": 1, "minute": 18}
